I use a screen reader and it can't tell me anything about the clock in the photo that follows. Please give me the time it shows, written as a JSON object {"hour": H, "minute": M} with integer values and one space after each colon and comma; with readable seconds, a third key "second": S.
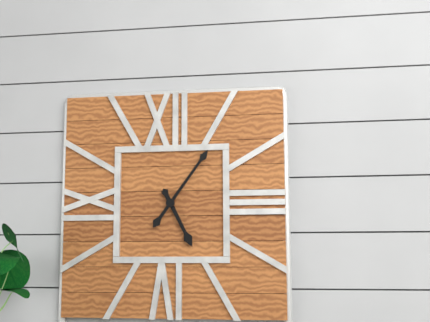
{"hour": 5, "minute": 6}
